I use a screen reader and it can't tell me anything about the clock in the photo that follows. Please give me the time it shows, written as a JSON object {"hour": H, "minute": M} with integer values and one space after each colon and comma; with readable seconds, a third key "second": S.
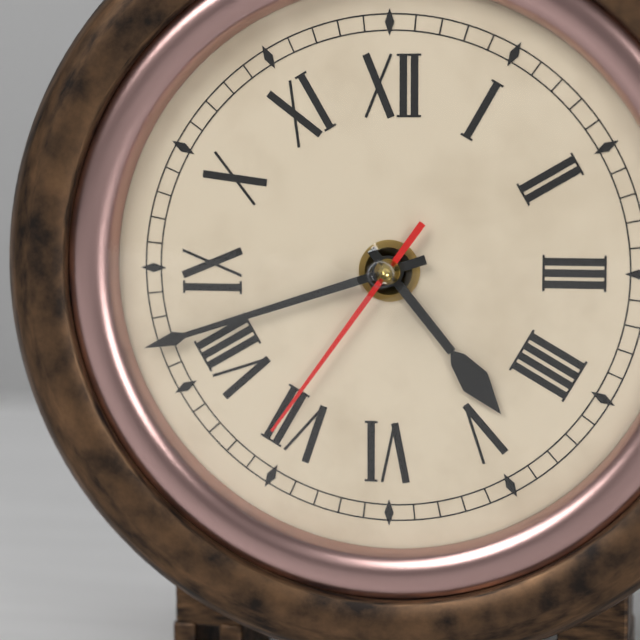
{"hour": 4, "minute": 42, "second": 36}
